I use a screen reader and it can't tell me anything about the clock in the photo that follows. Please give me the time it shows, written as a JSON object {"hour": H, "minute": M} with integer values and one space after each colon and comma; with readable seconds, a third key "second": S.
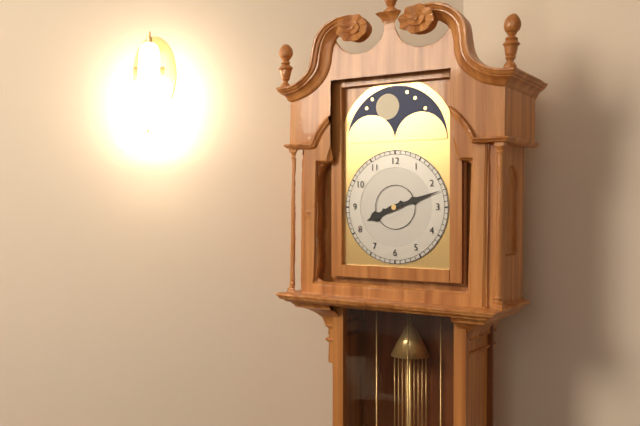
{"hour": 8, "minute": 12}
